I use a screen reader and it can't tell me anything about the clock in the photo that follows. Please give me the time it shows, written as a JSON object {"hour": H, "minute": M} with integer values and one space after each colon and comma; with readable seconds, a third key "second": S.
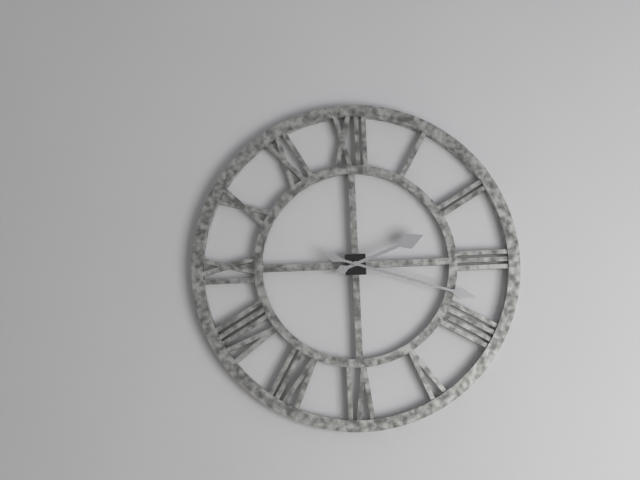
{"hour": 2, "minute": 18}
